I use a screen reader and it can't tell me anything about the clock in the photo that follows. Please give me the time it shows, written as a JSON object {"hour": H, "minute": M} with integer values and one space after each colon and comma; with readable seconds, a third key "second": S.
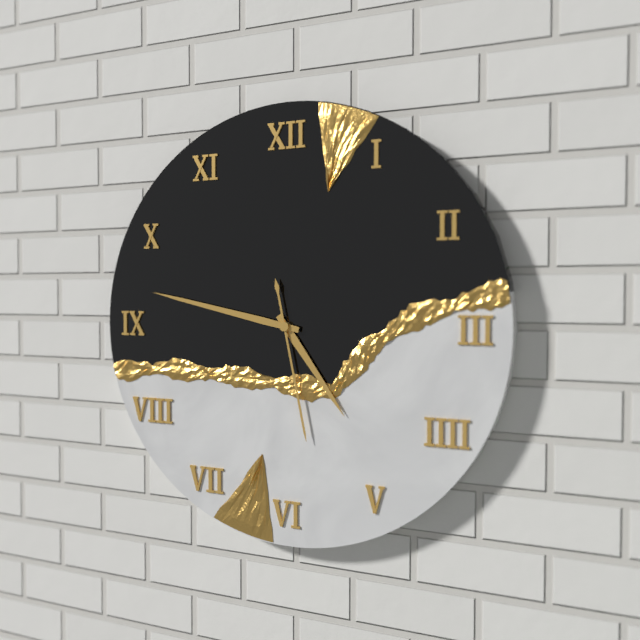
{"hour": 4, "minute": 47, "second": 28}
